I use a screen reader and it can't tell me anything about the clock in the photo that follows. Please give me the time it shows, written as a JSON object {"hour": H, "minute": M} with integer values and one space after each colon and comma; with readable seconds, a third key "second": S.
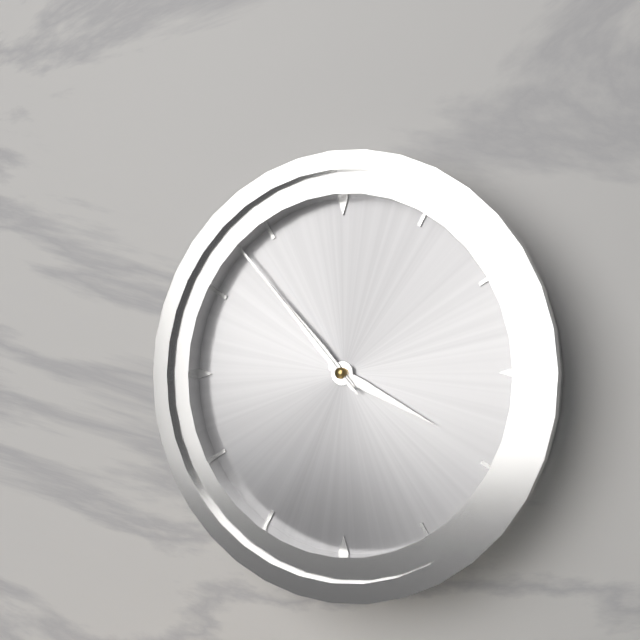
{"hour": 3, "minute": 53, "second": 53}
